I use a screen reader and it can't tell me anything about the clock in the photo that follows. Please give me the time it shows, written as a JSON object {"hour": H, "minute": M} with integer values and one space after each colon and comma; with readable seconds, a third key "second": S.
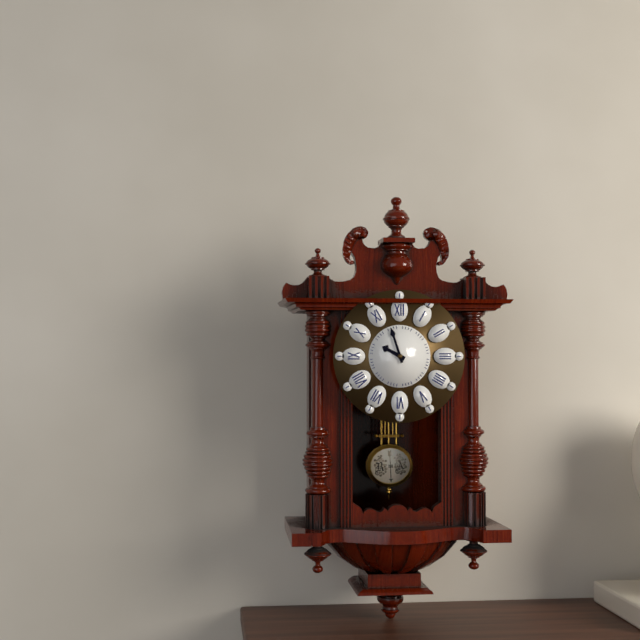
{"hour": 9, "minute": 57}
